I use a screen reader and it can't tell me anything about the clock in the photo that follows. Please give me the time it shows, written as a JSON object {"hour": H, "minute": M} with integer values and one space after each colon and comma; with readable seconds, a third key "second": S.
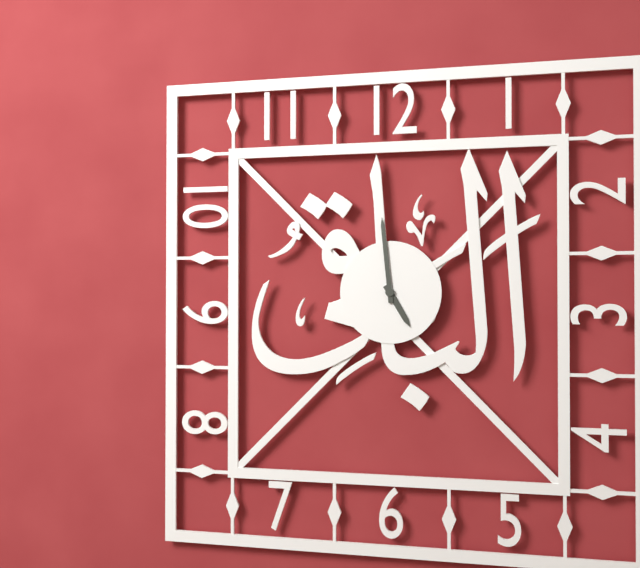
{"hour": 4, "minute": 59}
